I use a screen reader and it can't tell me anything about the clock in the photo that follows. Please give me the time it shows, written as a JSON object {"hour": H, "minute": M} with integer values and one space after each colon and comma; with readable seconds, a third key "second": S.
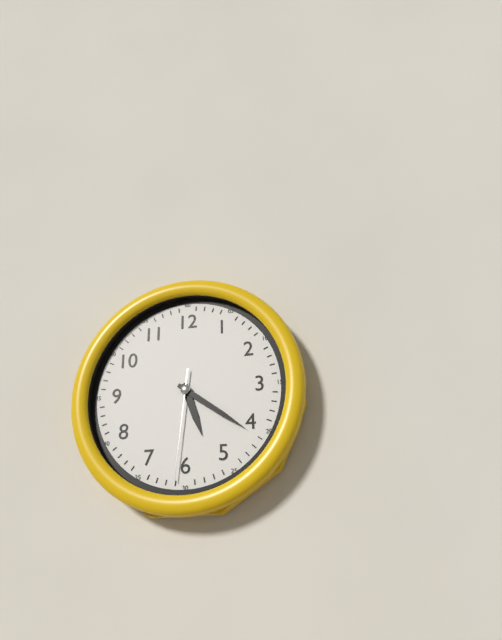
{"hour": 5, "minute": 21, "second": 31}
